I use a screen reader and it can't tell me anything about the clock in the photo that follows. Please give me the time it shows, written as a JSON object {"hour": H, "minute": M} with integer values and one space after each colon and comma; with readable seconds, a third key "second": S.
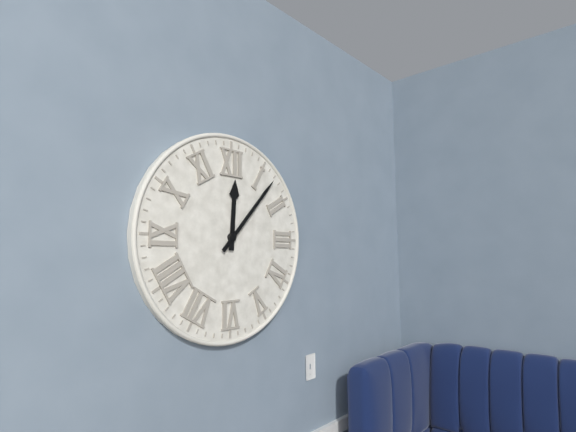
{"hour": 12, "minute": 7}
